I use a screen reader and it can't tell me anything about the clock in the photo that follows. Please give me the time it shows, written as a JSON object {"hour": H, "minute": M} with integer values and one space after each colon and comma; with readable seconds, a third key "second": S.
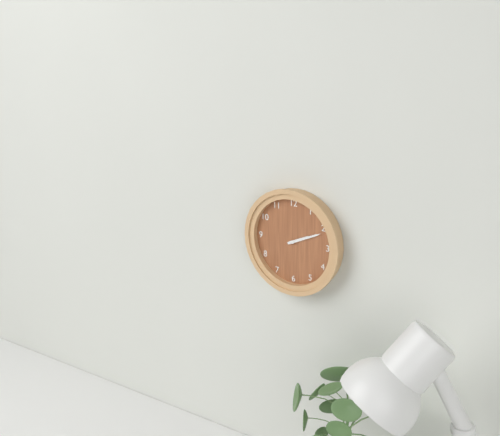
{"hour": 2, "minute": 11}
